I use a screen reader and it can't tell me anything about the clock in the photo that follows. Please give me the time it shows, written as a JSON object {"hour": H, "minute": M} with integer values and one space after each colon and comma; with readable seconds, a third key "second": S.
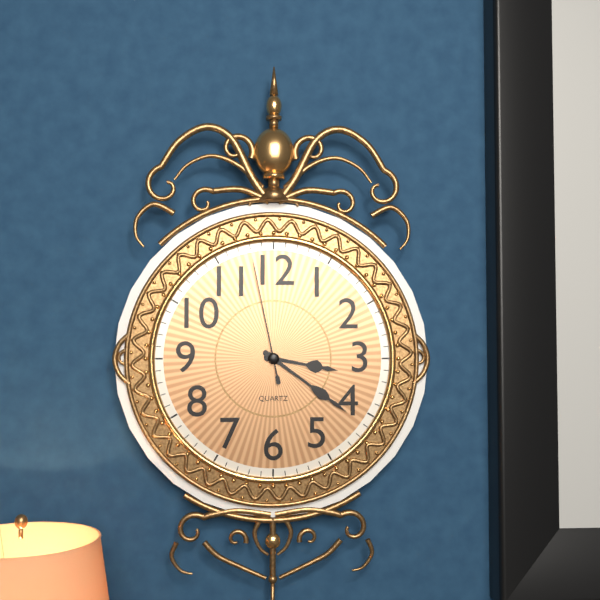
{"hour": 3, "minute": 21, "second": 58}
